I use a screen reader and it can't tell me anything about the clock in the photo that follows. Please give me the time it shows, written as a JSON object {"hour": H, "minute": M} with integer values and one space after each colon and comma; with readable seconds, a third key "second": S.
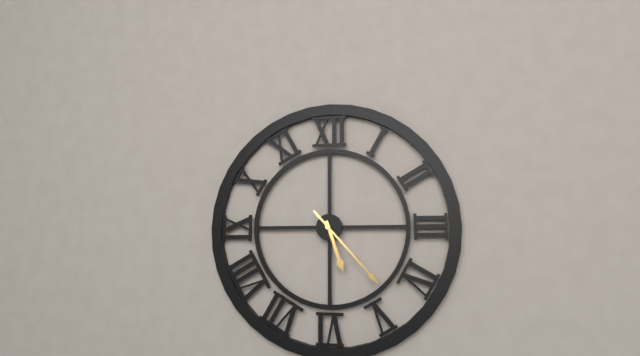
{"hour": 5, "minute": 23}
